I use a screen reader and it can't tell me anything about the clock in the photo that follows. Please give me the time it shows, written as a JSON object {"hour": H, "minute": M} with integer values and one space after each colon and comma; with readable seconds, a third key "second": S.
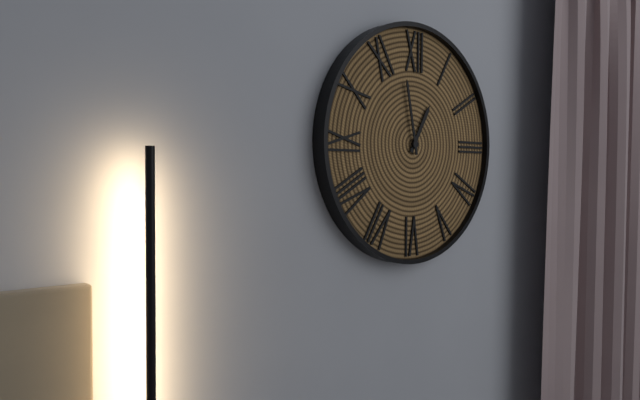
{"hour": 12, "minute": 58}
